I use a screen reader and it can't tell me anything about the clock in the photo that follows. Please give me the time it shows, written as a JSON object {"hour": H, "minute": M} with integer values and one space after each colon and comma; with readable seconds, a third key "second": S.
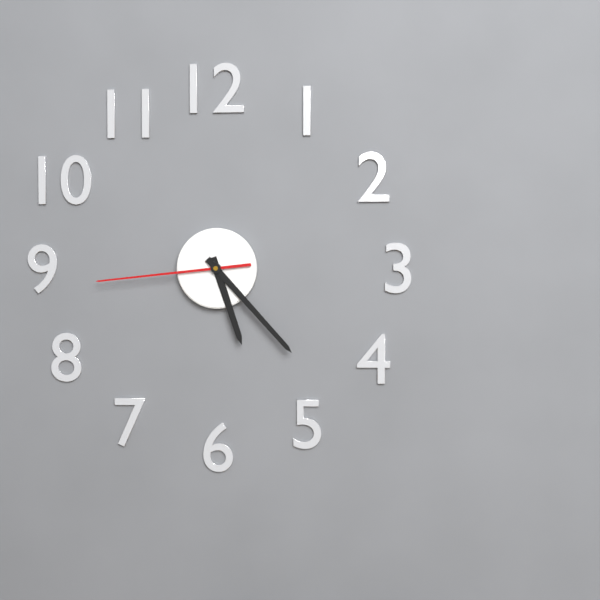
{"hour": 5, "minute": 23, "second": 44}
